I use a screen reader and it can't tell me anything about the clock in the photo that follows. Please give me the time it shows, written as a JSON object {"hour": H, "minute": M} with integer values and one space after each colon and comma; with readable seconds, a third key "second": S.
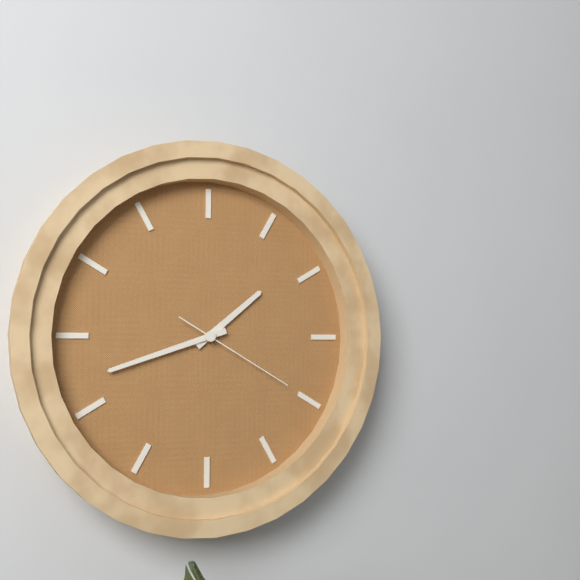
{"hour": 1, "minute": 42, "second": 20}
